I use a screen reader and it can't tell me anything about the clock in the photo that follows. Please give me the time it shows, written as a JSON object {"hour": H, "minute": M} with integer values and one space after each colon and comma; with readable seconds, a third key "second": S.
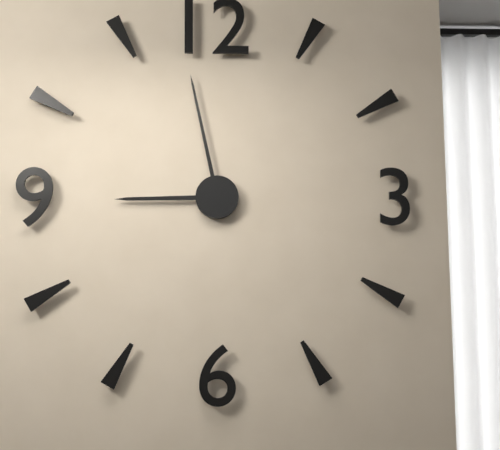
{"hour": 8, "minute": 58}
